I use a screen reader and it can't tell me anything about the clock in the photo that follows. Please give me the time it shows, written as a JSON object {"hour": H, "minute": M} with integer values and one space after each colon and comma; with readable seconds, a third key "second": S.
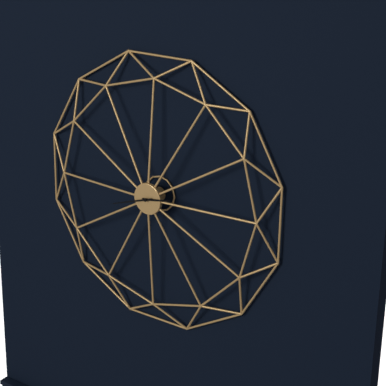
{"hour": 2, "minute": 42}
